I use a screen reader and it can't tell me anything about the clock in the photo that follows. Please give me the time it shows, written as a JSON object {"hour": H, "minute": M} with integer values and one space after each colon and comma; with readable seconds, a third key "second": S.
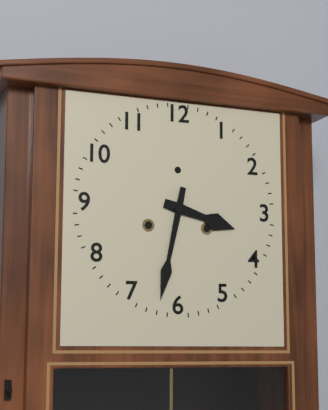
{"hour": 3, "minute": 32}
